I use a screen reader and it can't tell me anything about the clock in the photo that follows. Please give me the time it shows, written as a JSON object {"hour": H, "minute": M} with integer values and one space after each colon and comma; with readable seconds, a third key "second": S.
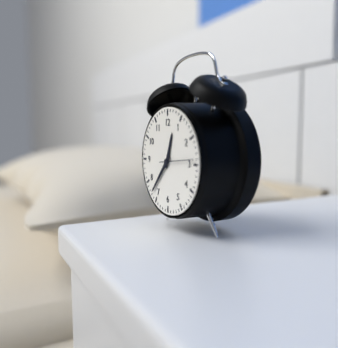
{"hour": 12, "minute": 37}
